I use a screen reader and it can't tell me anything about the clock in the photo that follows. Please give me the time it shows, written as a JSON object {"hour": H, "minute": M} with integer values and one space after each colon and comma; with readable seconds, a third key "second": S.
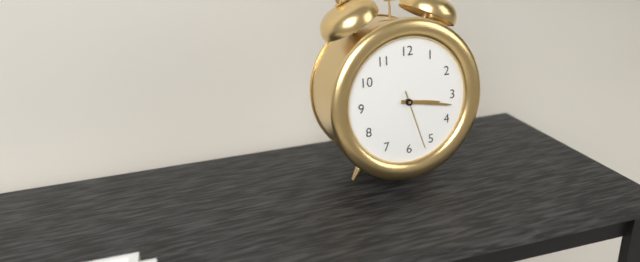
{"hour": 3, "minute": 17, "second": 27}
